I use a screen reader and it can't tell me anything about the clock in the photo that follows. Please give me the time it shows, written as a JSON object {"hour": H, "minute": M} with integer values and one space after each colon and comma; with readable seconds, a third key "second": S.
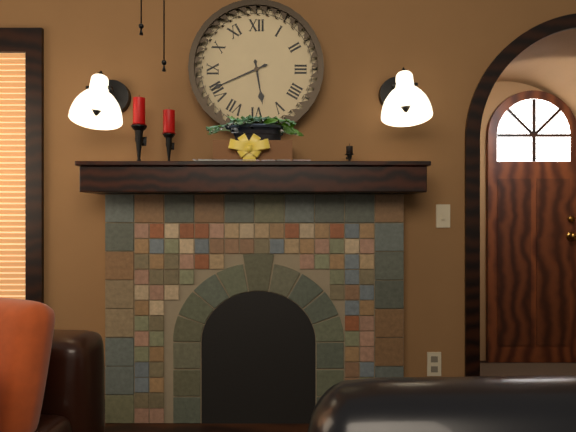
{"hour": 5, "minute": 41}
